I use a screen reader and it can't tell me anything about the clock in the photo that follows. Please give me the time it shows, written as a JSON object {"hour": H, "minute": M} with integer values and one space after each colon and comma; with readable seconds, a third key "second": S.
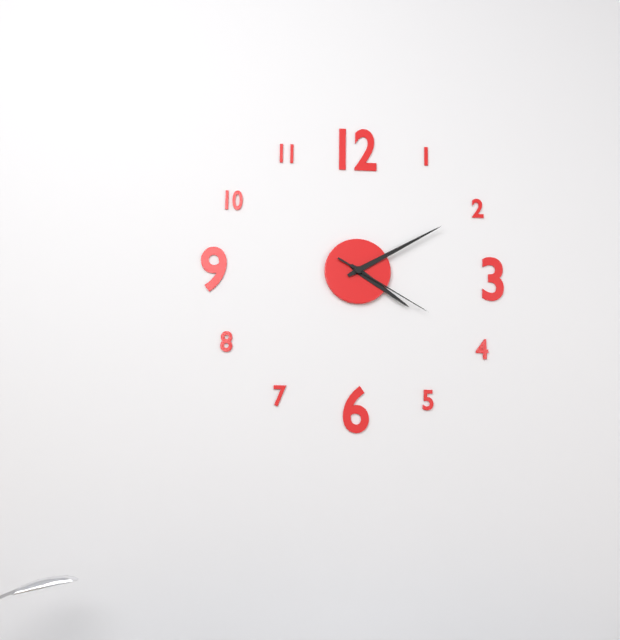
{"hour": 4, "minute": 10, "second": 20}
